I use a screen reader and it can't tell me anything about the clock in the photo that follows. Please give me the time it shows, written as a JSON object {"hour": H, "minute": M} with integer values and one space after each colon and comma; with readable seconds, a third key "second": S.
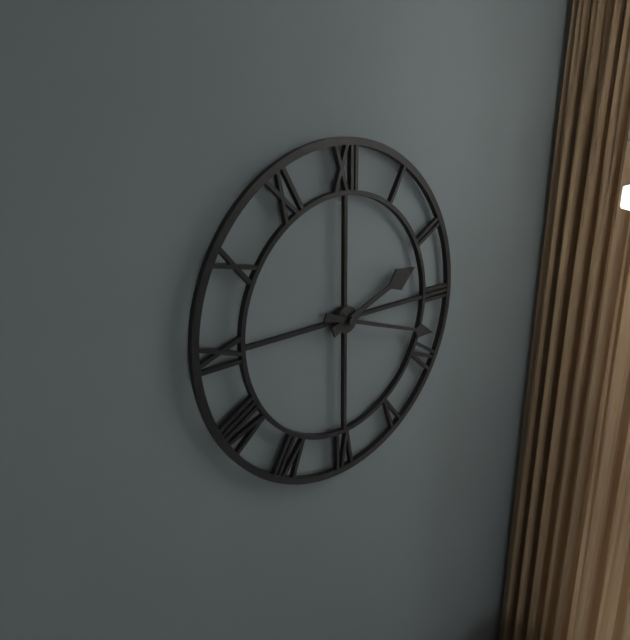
{"hour": 2, "minute": 18}
